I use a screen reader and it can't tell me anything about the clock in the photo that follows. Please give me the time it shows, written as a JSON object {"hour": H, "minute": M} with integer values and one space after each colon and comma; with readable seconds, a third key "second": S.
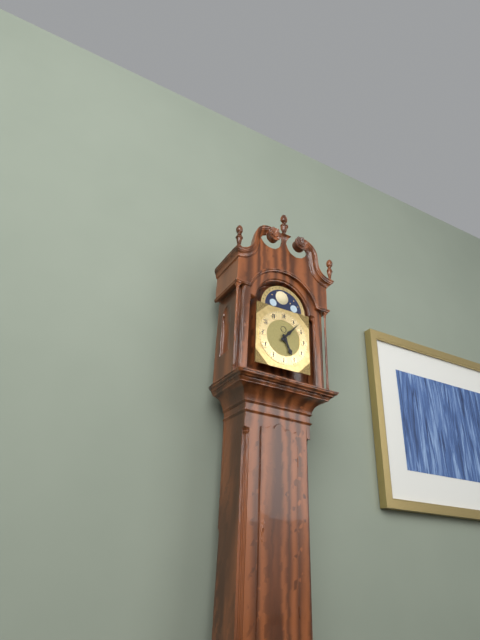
{"hour": 5, "minute": 7}
